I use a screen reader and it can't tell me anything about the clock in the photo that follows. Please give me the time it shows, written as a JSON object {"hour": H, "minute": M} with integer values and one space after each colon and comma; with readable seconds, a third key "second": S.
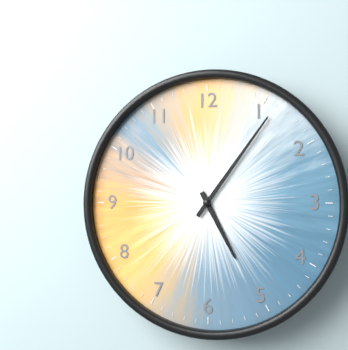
{"hour": 5, "minute": 6}
